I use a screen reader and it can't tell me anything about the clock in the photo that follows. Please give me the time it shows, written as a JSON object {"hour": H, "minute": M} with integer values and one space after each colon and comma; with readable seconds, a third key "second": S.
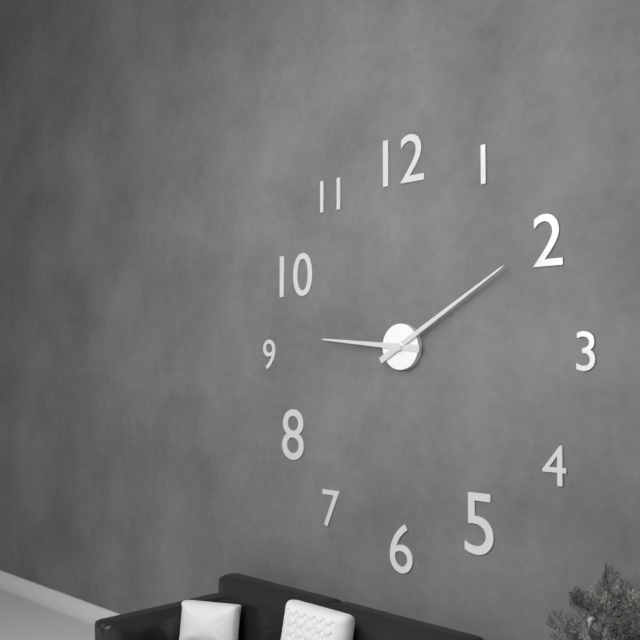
{"hour": 9, "minute": 10}
